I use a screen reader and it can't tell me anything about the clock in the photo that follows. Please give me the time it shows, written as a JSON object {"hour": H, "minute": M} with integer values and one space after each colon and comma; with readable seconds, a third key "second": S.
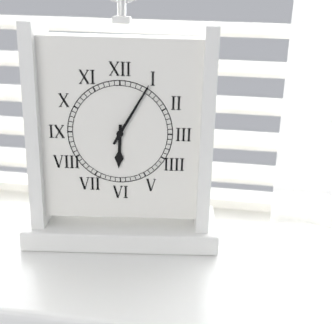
{"hour": 6, "minute": 5}
